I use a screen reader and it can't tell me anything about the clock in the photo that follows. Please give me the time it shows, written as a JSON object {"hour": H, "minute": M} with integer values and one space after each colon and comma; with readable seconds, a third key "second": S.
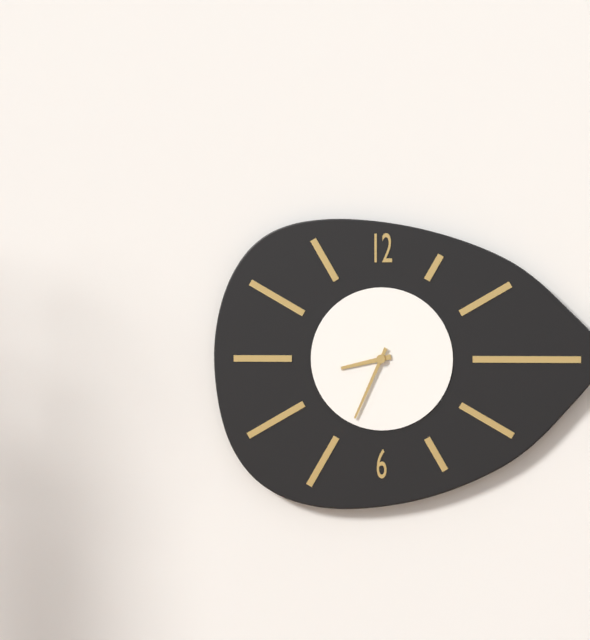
{"hour": 8, "minute": 34}
